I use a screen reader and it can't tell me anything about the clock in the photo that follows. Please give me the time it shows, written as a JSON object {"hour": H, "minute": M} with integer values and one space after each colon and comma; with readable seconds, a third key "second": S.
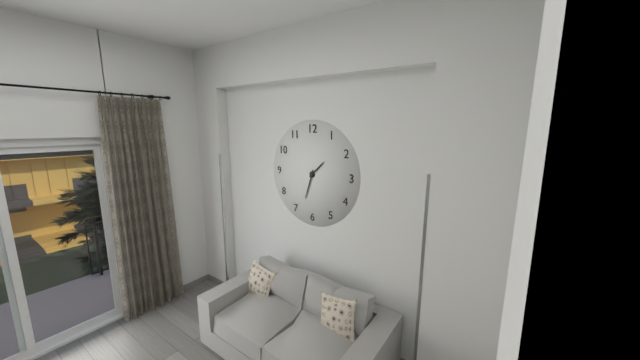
{"hour": 1, "minute": 33}
